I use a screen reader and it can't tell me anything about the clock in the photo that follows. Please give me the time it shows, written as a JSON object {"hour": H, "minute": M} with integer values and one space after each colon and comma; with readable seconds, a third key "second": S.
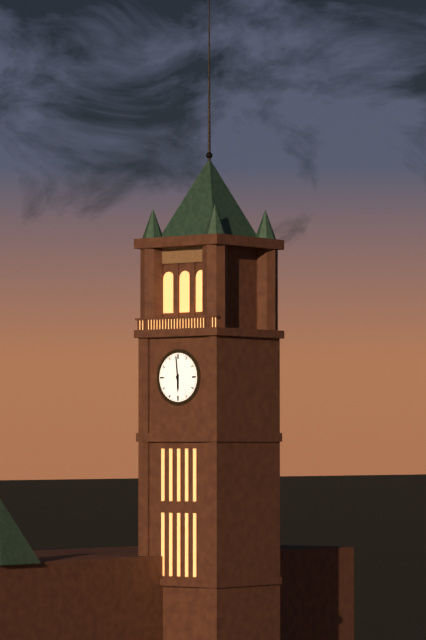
{"hour": 5, "minute": 59}
